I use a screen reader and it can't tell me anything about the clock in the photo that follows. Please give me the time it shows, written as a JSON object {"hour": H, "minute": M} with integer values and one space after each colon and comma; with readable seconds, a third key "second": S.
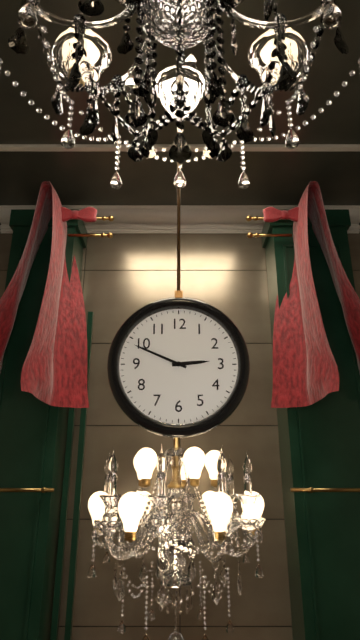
{"hour": 2, "minute": 49}
